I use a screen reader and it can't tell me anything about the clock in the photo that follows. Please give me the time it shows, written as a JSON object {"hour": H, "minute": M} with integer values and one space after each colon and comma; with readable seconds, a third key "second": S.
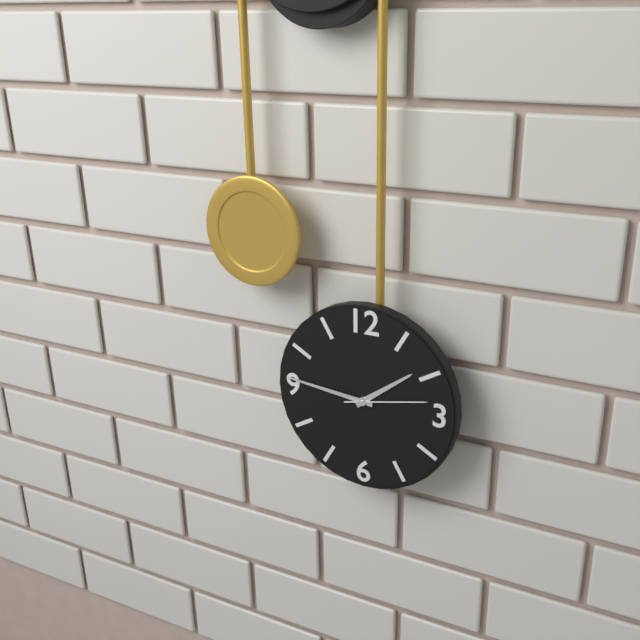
{"hour": 1, "minute": 46, "second": 13}
